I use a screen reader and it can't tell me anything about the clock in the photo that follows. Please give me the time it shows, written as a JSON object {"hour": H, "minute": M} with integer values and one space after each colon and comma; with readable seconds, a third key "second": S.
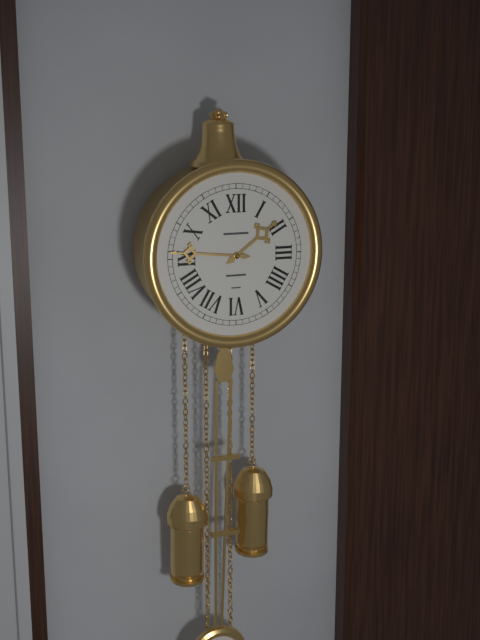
{"hour": 1, "minute": 46}
